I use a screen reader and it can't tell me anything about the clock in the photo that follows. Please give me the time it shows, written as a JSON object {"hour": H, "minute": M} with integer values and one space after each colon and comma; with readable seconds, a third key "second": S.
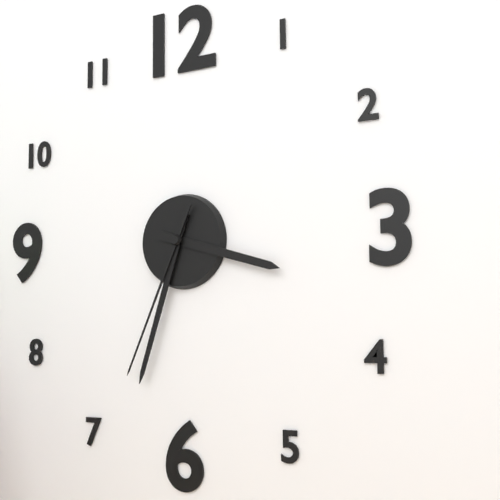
{"hour": 3, "minute": 33, "second": 34}
